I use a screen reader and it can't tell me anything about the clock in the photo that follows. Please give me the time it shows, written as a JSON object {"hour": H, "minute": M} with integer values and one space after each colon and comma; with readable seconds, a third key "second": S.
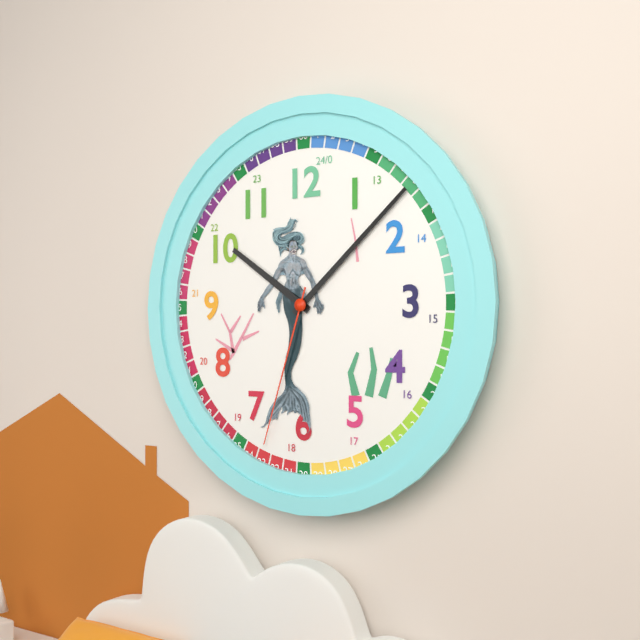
{"hour": 10, "minute": 8, "second": 33}
